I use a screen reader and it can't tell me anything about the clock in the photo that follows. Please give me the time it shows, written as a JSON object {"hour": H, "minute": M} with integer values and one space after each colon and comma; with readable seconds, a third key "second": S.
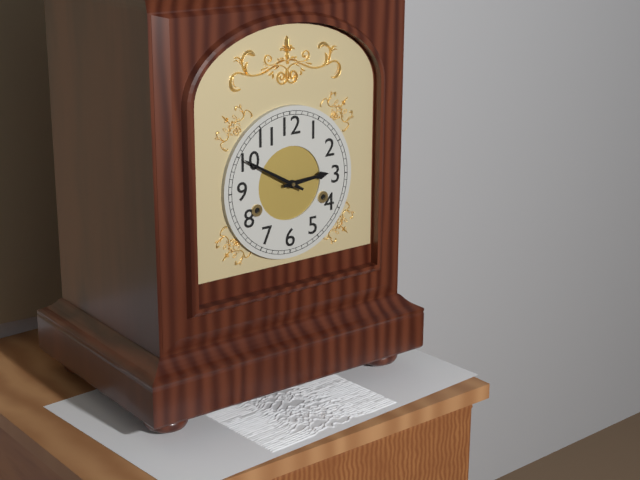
{"hour": 2, "minute": 50}
